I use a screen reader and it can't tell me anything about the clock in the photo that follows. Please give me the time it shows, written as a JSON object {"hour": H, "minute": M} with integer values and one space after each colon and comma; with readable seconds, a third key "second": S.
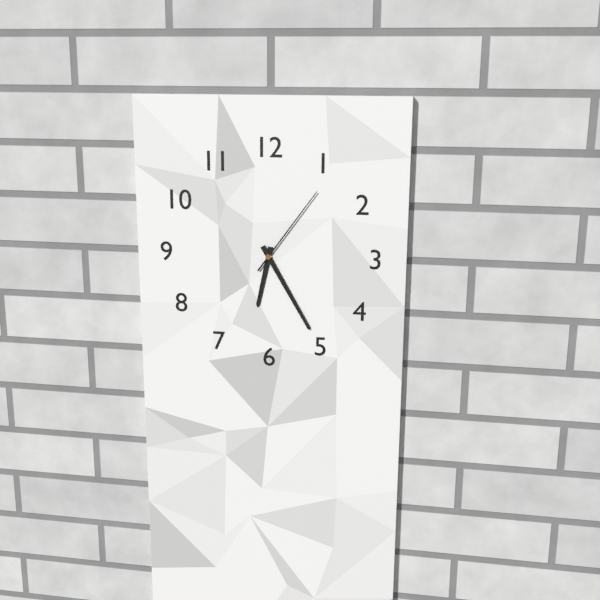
{"hour": 6, "minute": 25, "second": 6}
